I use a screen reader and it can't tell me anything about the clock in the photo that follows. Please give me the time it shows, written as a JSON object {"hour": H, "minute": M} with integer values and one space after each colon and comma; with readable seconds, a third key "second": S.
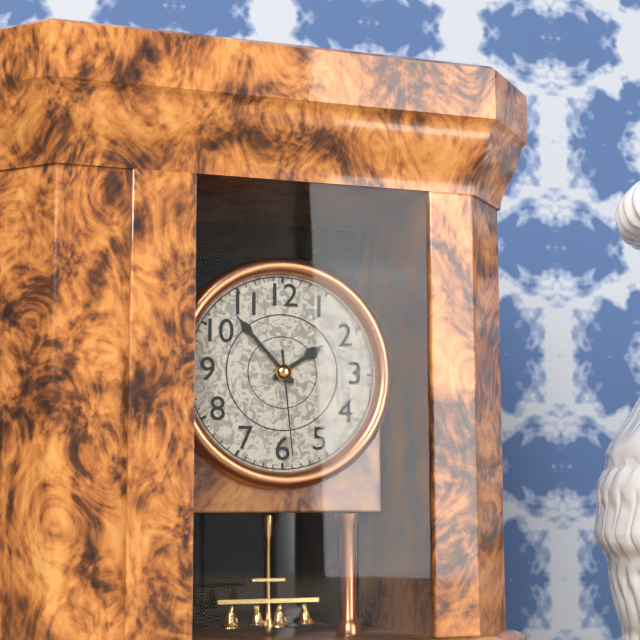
{"hour": 1, "minute": 53, "second": 29}
